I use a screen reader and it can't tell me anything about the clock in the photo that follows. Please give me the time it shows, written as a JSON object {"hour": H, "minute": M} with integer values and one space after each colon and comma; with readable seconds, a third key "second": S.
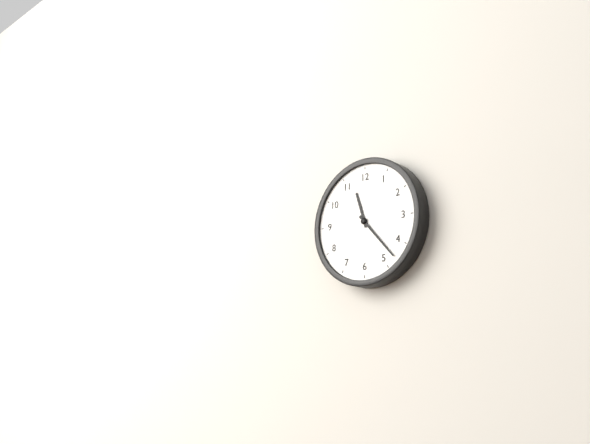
{"hour": 11, "minute": 23}
